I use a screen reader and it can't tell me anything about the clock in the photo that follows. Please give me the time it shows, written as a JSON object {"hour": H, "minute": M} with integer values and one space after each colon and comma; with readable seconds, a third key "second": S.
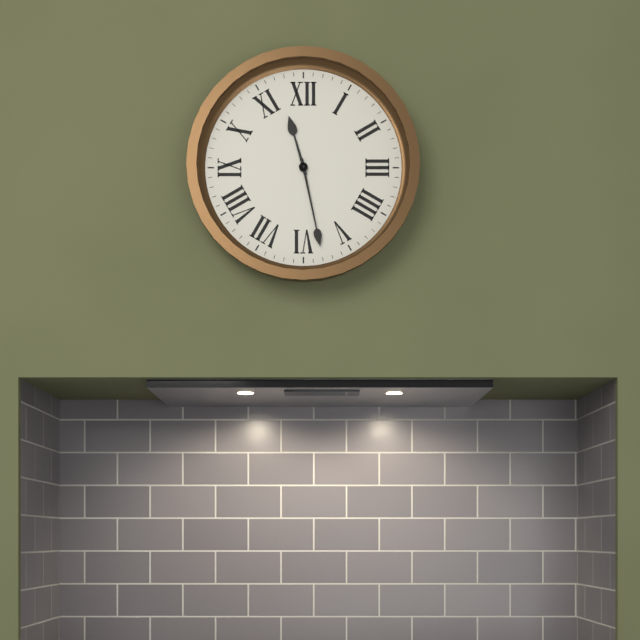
{"hour": 11, "minute": 28}
